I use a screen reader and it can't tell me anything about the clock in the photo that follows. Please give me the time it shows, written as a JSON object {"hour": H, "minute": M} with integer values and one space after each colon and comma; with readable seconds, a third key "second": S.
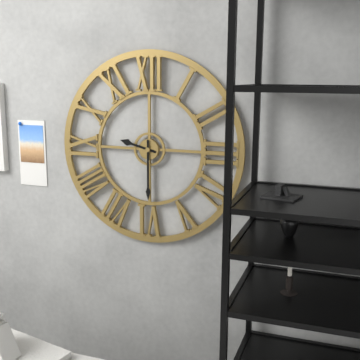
{"hour": 9, "minute": 30}
